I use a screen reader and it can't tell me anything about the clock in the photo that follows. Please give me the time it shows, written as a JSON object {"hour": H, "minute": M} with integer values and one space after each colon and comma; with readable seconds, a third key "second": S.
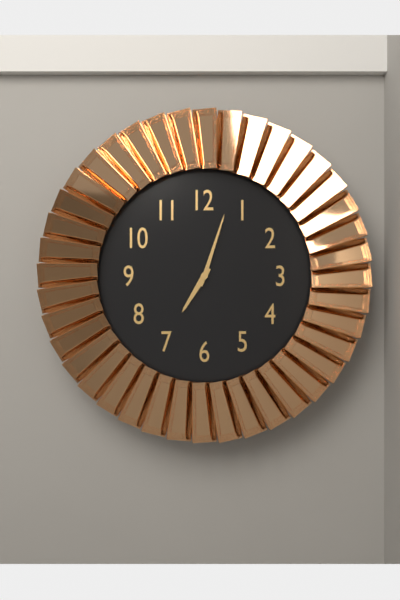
{"hour": 7, "minute": 3}
